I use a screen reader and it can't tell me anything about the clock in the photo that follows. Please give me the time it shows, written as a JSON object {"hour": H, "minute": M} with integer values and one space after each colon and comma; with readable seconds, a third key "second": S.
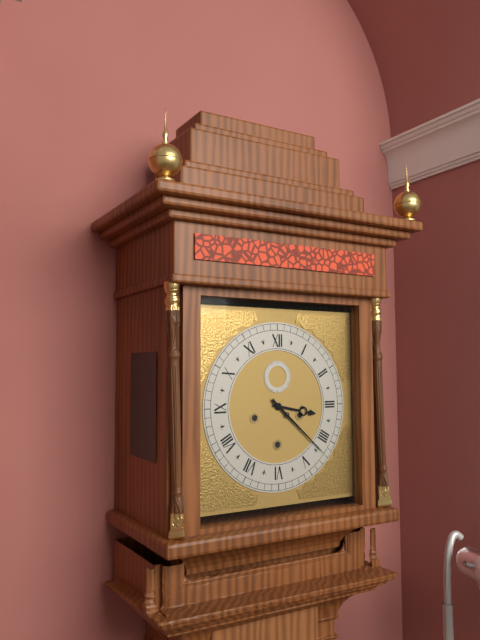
{"hour": 3, "minute": 22}
